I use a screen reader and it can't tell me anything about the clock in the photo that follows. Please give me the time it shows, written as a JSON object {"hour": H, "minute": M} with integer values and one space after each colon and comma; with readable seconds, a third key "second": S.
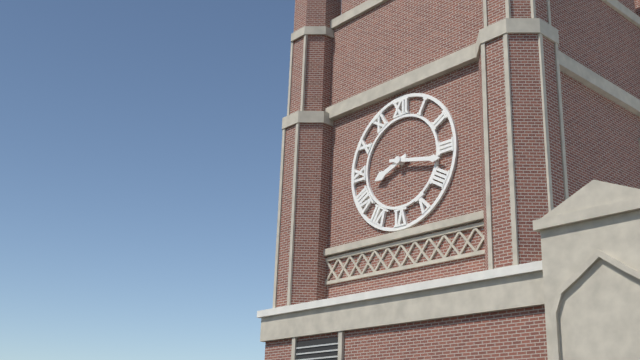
{"hour": 8, "minute": 17}
